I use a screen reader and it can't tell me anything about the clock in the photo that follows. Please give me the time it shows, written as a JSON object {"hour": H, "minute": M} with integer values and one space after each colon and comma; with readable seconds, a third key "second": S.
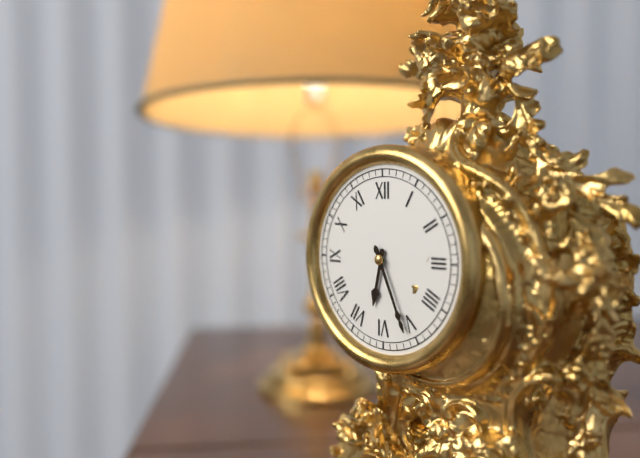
{"hour": 6, "minute": 26}
